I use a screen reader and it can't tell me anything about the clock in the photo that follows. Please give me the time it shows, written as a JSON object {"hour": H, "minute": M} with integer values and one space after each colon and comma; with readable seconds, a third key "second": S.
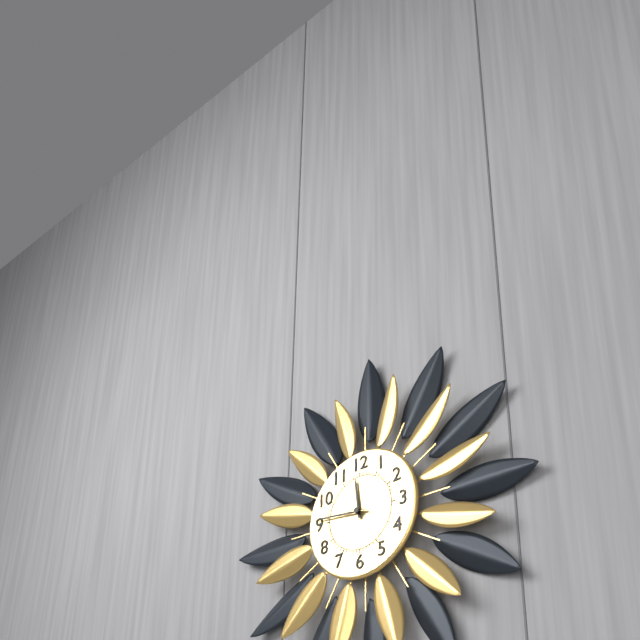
{"hour": 11, "minute": 46, "second": 47}
